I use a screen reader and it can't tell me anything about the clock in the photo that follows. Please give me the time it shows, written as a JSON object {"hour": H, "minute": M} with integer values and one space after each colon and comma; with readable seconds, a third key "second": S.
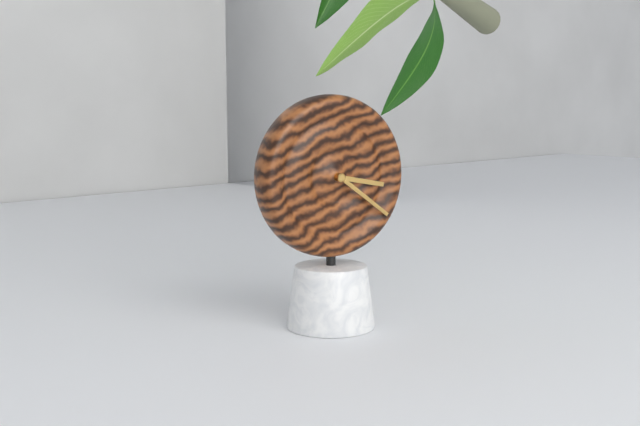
{"hour": 3, "minute": 21}
